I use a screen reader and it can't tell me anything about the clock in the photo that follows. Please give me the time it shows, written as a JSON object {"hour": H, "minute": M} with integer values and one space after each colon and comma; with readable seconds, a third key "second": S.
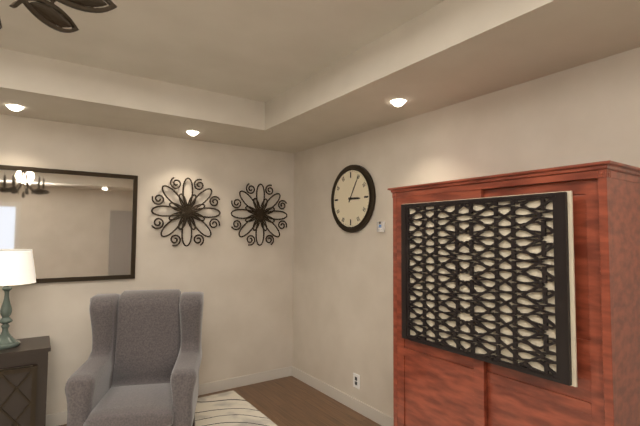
{"hour": 3, "minute": 5}
